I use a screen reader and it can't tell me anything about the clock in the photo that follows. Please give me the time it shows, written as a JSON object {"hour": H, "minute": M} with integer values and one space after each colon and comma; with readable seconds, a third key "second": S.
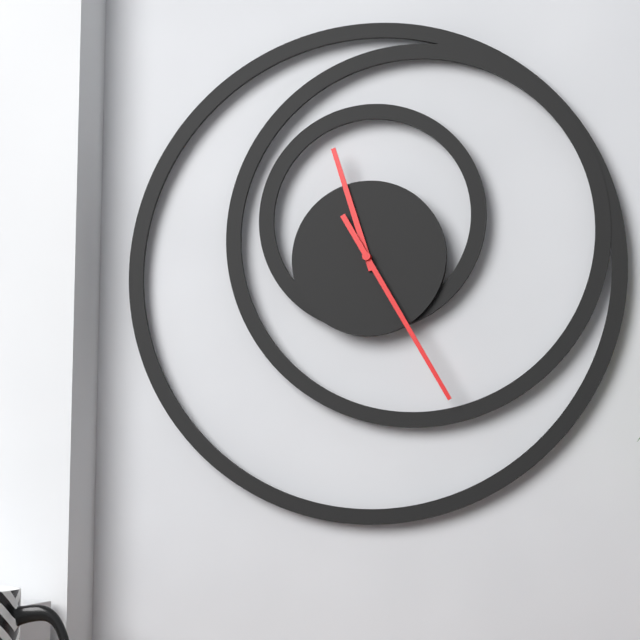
{"hour": 11, "minute": 25}
